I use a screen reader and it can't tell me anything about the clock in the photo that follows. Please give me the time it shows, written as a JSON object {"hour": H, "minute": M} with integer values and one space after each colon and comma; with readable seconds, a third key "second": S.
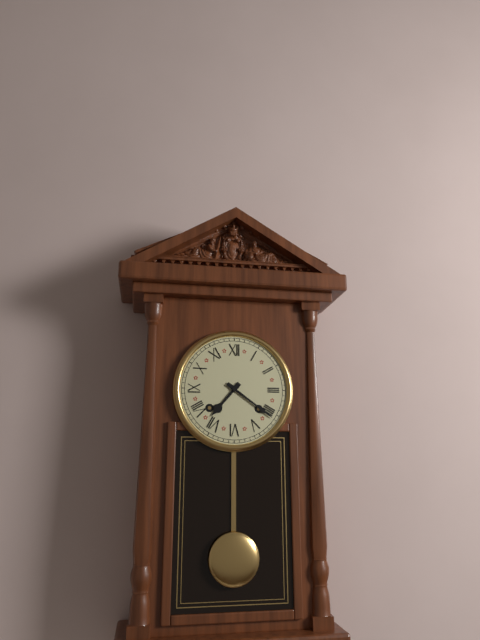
{"hour": 7, "minute": 21}
